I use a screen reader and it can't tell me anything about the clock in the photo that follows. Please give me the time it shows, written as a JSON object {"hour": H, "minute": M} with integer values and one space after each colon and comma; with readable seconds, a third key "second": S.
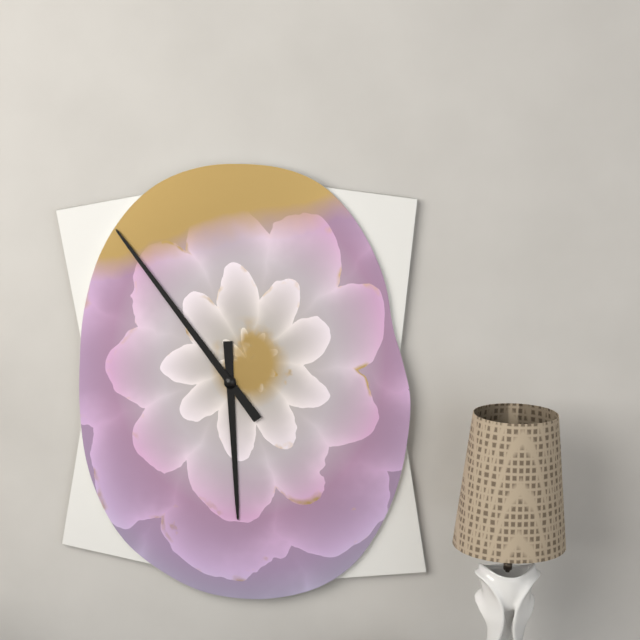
{"hour": 5, "minute": 54}
